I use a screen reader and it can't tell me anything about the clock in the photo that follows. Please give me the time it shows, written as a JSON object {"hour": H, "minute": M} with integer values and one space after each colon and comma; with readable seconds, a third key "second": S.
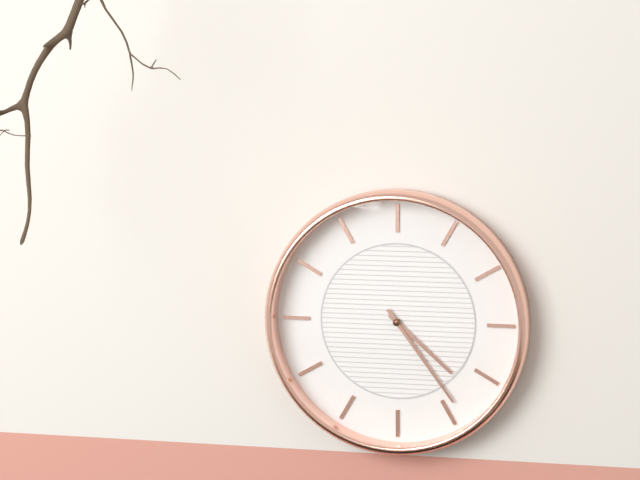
{"hour": 4, "minute": 24}
